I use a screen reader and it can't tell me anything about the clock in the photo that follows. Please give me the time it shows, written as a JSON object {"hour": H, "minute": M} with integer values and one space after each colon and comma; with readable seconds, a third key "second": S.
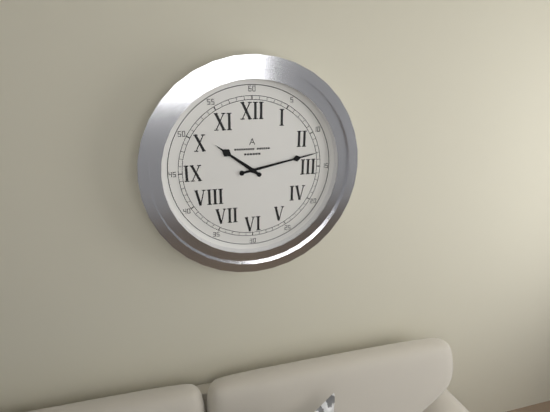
{"hour": 10, "minute": 13}
